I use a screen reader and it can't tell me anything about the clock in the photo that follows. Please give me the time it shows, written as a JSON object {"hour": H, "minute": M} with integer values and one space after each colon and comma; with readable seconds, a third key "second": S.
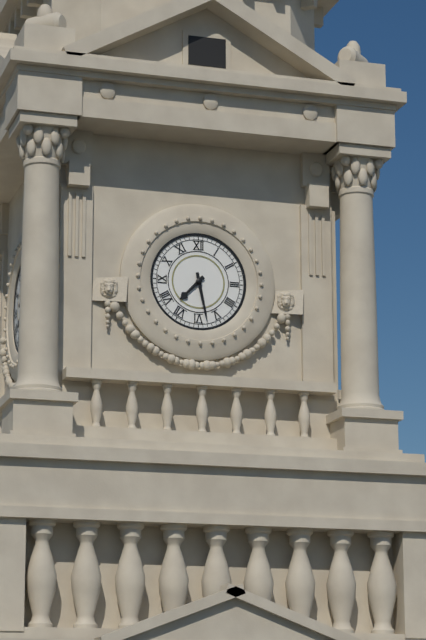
{"hour": 7, "minute": 28}
